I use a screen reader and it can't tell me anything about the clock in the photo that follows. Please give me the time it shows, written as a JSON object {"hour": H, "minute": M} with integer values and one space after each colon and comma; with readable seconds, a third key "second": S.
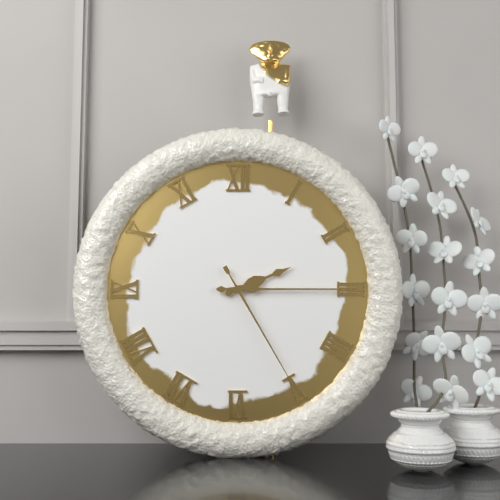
{"hour": 2, "minute": 15, "second": 25}
